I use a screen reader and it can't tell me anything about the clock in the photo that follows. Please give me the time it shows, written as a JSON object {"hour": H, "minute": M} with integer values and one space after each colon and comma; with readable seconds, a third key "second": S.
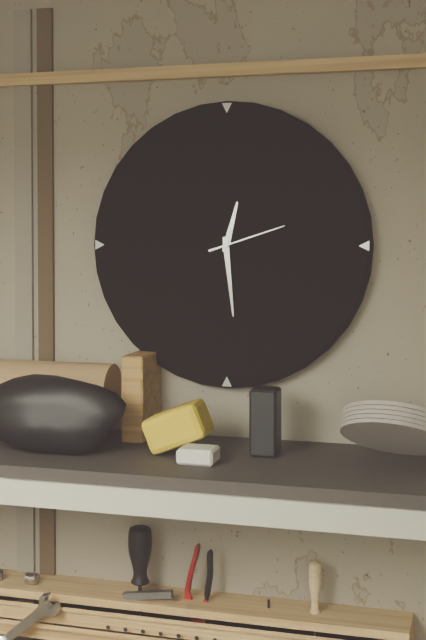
{"hour": 12, "minute": 29, "second": 12}
